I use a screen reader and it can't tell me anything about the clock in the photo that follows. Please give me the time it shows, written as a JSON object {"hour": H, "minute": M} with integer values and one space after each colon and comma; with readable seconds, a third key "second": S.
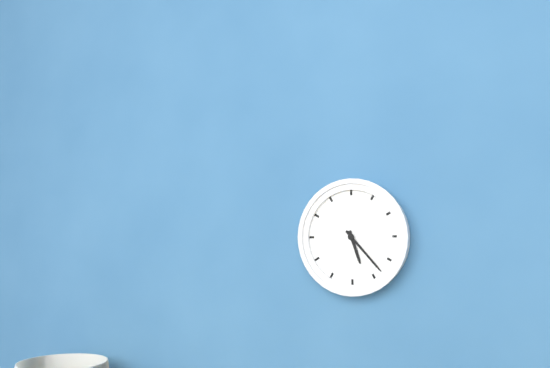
{"hour": 5, "minute": 23}
